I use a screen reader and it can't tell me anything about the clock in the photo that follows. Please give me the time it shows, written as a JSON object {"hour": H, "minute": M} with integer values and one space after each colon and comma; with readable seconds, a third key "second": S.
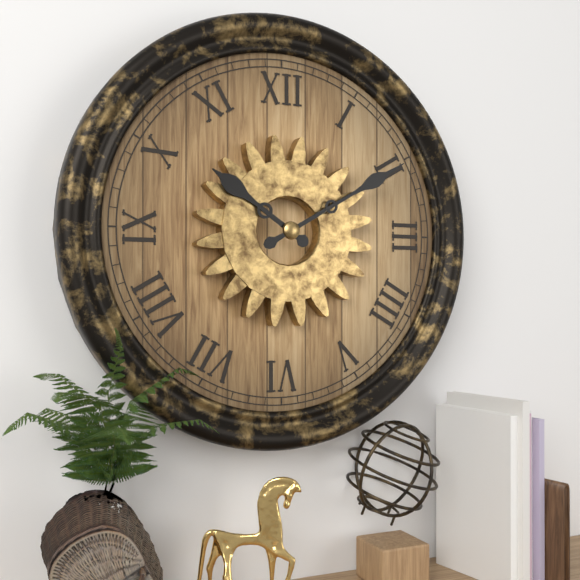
{"hour": 10, "minute": 10}
